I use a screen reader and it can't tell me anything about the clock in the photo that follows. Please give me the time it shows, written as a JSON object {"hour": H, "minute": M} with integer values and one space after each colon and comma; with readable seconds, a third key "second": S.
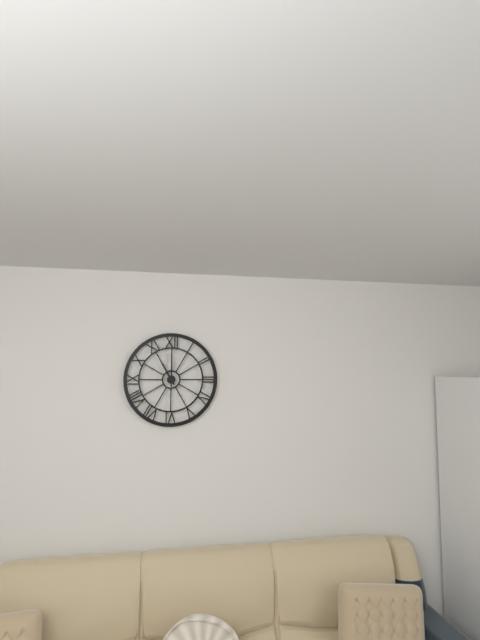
{"hour": 11, "minute": 0}
